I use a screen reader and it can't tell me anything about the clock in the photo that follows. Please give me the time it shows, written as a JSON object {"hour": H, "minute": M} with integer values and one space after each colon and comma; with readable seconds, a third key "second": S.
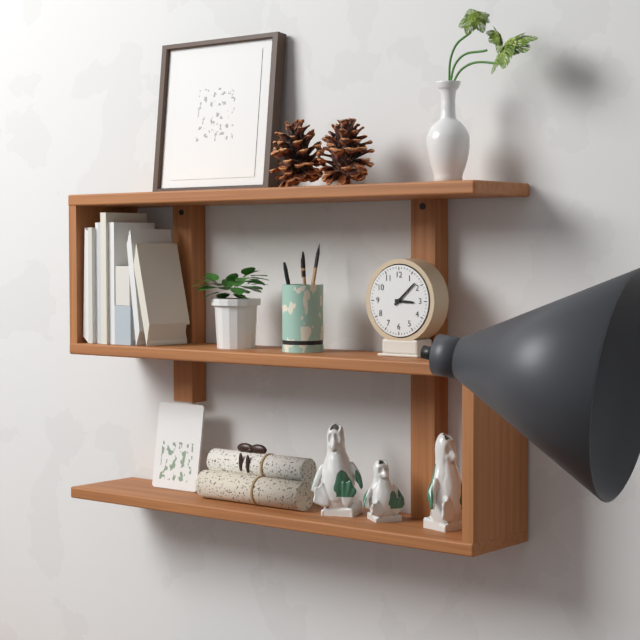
{"hour": 3, "minute": 8}
